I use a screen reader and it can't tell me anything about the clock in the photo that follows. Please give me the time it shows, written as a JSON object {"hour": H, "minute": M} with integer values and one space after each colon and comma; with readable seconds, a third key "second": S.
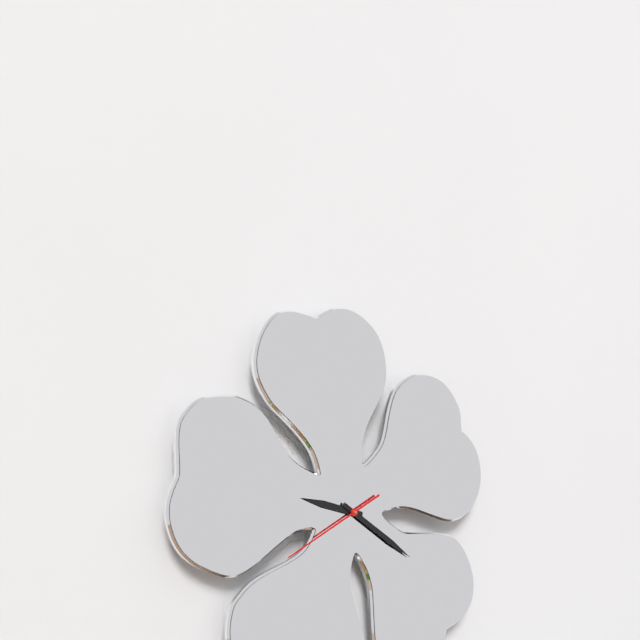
{"hour": 9, "minute": 20, "second": 40}
